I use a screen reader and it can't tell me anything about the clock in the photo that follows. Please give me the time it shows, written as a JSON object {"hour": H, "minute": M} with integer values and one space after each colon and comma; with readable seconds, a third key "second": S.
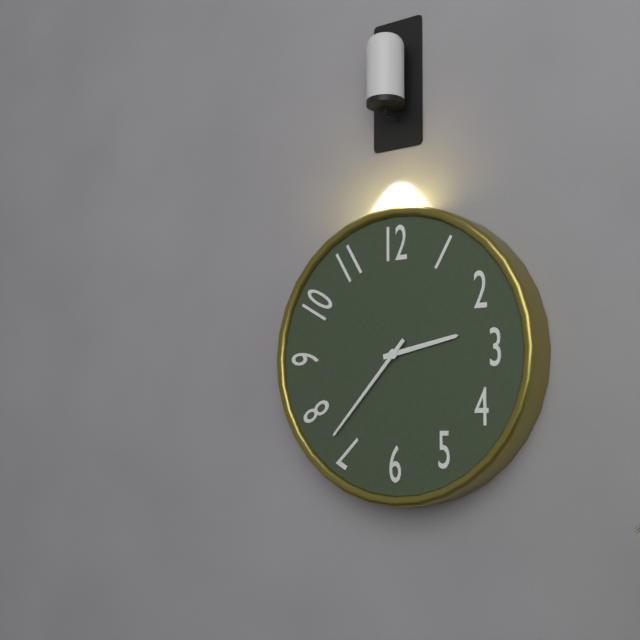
{"hour": 2, "minute": 37}
